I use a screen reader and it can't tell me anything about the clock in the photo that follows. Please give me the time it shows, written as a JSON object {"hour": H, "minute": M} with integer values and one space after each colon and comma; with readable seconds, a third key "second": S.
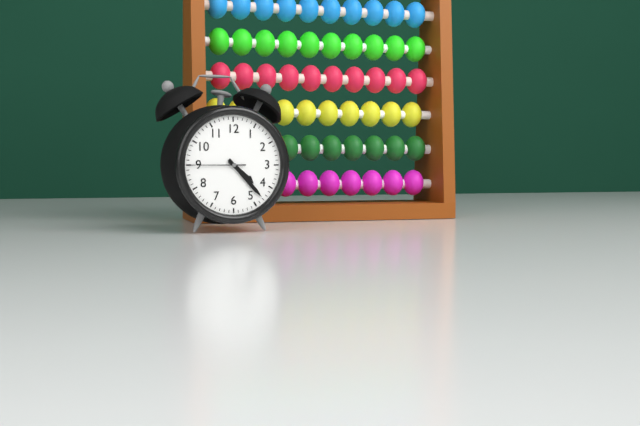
{"hour": 4, "minute": 23, "second": 45}
